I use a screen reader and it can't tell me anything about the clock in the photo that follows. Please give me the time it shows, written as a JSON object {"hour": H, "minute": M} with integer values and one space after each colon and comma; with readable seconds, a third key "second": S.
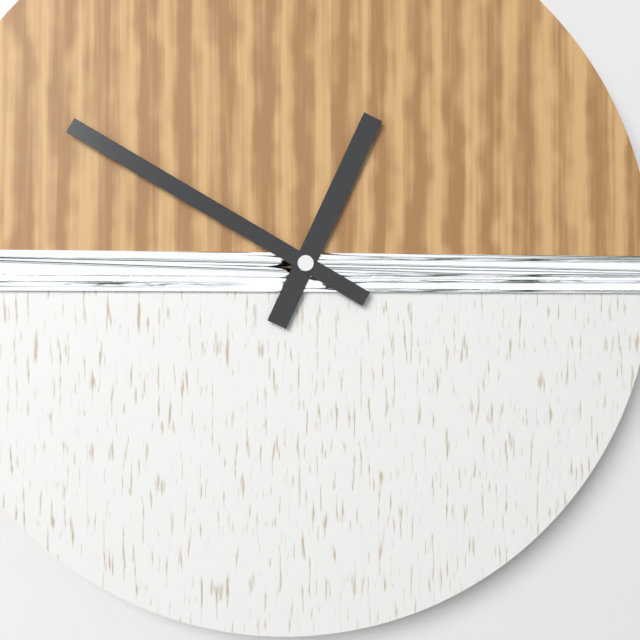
{"hour": 12, "minute": 50}
